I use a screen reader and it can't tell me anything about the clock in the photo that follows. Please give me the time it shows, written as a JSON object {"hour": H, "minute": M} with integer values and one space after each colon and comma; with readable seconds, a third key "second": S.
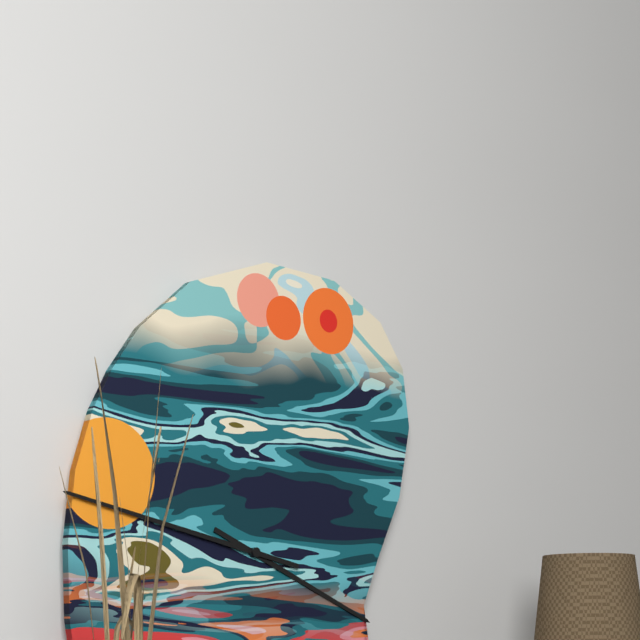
{"hour": 3, "minute": 47}
